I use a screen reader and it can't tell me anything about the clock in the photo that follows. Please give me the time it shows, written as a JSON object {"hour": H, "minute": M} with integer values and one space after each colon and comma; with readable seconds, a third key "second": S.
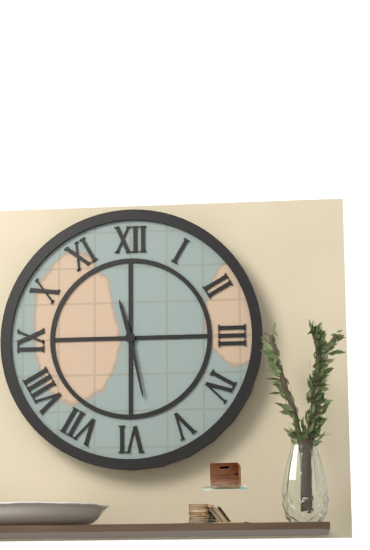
{"hour": 11, "minute": 28}
